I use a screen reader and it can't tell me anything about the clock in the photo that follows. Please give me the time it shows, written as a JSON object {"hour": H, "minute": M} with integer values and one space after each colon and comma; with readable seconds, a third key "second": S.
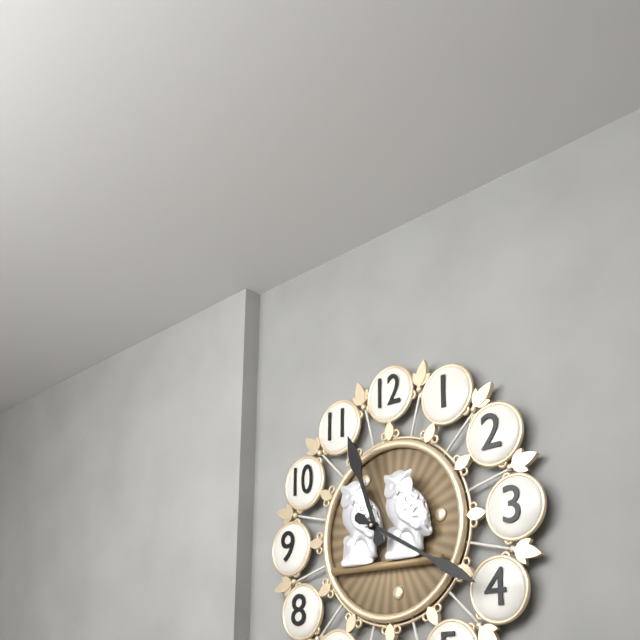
{"hour": 11, "minute": 20}
